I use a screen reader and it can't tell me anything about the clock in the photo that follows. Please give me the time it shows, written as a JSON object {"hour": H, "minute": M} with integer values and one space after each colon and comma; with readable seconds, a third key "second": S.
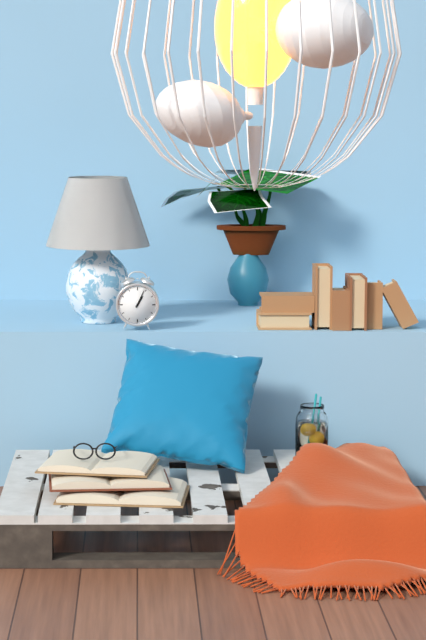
{"hour": 1, "minute": 4}
